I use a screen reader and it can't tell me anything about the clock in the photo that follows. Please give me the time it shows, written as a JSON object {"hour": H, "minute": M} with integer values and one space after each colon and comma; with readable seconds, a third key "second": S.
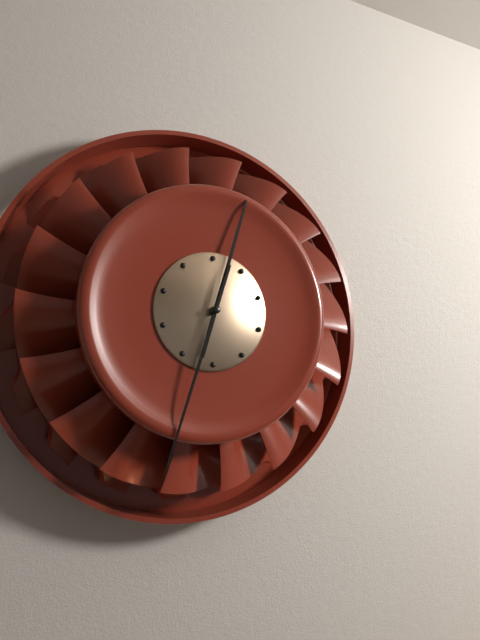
{"hour": 12, "minute": 33}
